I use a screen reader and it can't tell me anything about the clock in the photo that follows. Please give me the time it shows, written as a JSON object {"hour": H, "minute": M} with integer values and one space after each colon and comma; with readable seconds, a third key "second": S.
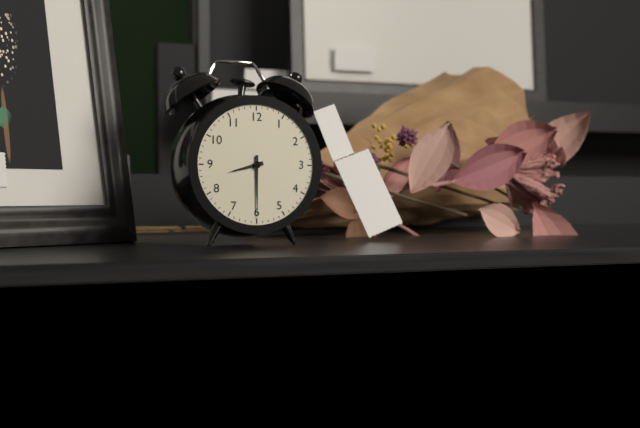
{"hour": 8, "minute": 30}
